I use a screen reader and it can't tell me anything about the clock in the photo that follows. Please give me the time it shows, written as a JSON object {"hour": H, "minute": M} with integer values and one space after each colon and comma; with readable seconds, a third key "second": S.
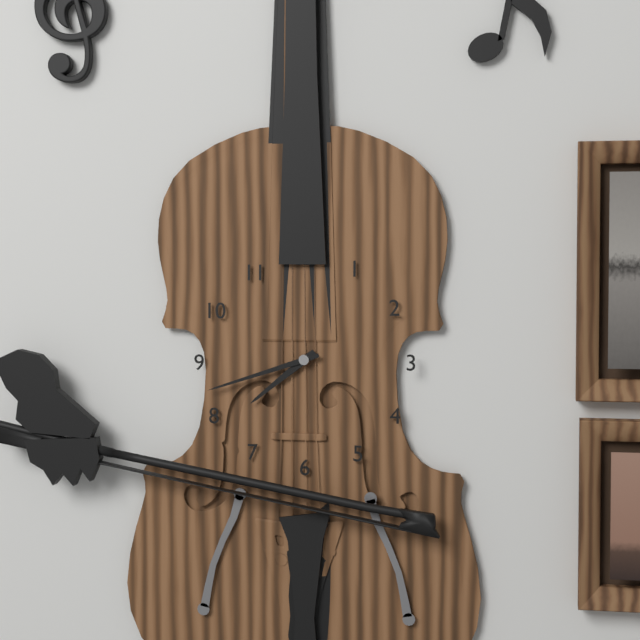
{"hour": 7, "minute": 42}
